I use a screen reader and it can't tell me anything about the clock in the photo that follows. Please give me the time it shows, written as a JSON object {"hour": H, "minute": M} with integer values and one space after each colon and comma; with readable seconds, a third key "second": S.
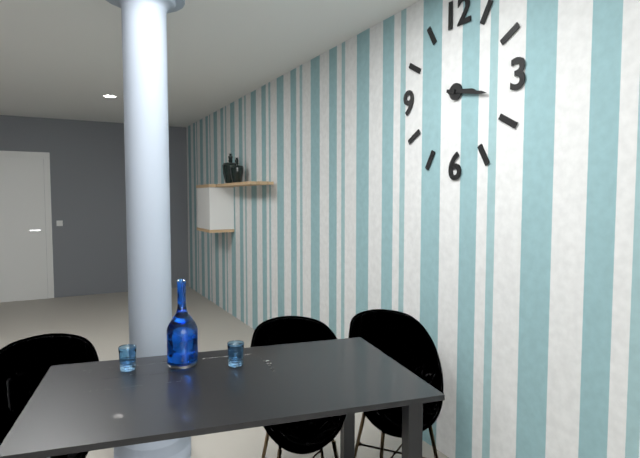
{"hour": 3, "minute": 17}
